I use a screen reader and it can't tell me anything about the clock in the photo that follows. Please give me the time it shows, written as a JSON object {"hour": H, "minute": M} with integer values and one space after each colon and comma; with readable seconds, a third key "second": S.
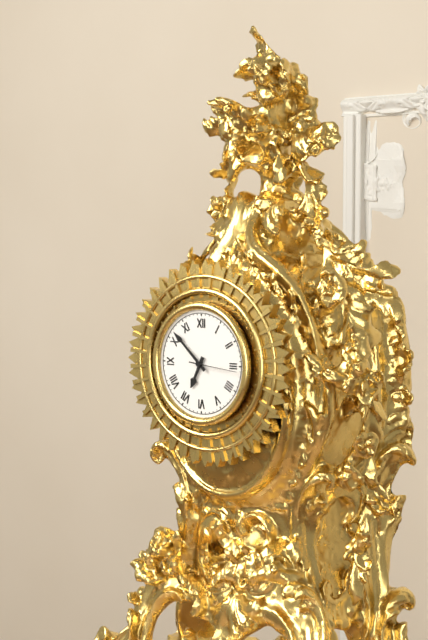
{"hour": 6, "minute": 52}
